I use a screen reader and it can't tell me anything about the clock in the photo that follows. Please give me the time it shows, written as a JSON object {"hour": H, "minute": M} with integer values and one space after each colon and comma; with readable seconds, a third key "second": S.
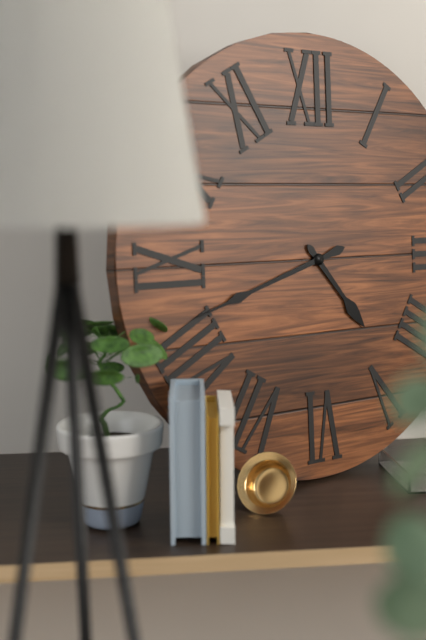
{"hour": 4, "minute": 42}
